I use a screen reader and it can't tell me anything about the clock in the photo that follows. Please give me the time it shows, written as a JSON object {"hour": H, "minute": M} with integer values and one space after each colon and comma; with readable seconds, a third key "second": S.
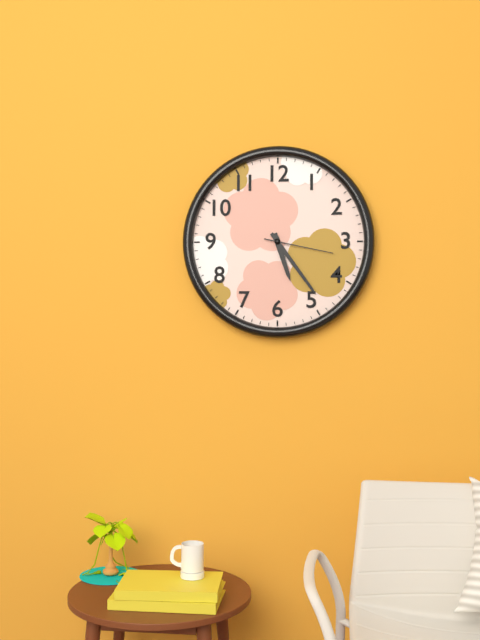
{"hour": 5, "minute": 24, "second": 17}
